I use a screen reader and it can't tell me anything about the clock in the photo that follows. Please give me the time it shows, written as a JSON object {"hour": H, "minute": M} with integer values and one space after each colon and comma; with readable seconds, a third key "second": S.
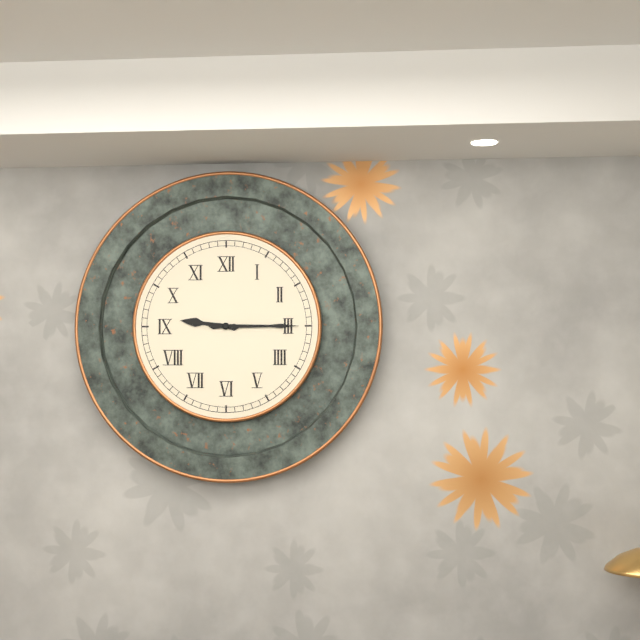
{"hour": 9, "minute": 15}
